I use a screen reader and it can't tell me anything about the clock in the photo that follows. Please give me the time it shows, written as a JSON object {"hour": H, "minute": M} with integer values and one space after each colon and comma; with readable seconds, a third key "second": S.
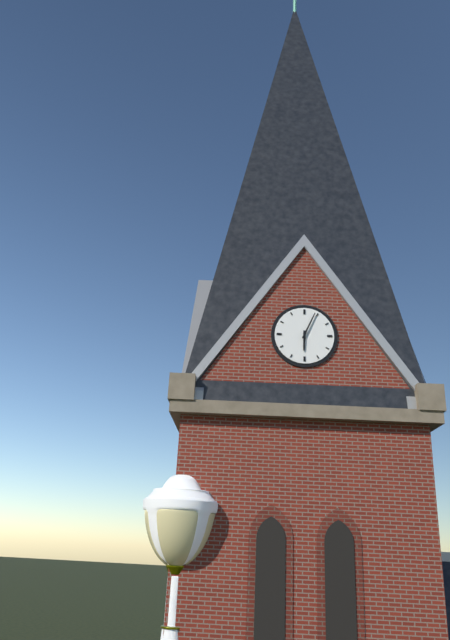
{"hour": 6, "minute": 4}
